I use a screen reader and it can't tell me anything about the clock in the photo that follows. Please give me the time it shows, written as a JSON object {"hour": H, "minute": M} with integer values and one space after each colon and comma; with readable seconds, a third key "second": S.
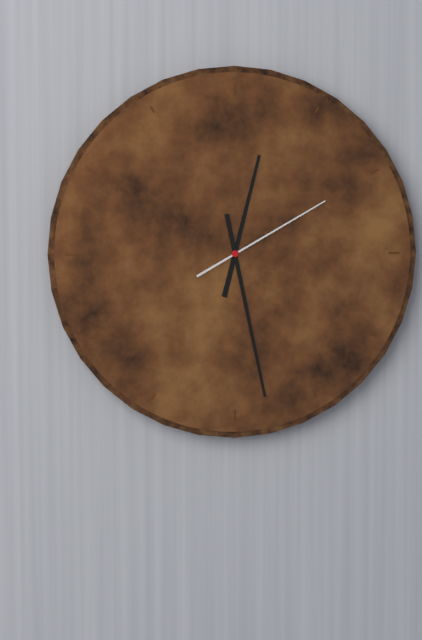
{"hour": 12, "minute": 28, "second": 10}
